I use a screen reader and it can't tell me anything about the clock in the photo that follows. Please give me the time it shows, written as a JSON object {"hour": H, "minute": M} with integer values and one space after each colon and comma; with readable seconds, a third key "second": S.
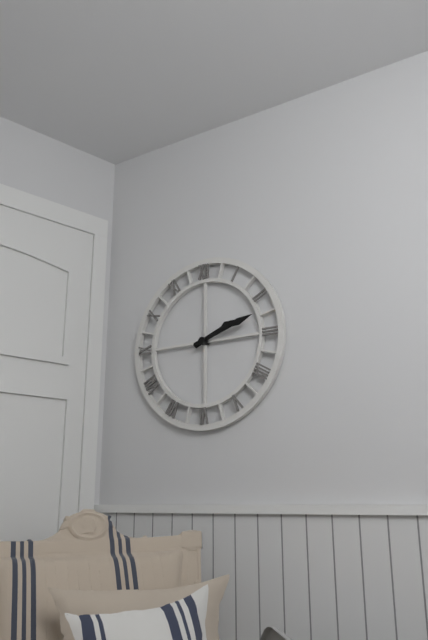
{"hour": 2, "minute": 12}
